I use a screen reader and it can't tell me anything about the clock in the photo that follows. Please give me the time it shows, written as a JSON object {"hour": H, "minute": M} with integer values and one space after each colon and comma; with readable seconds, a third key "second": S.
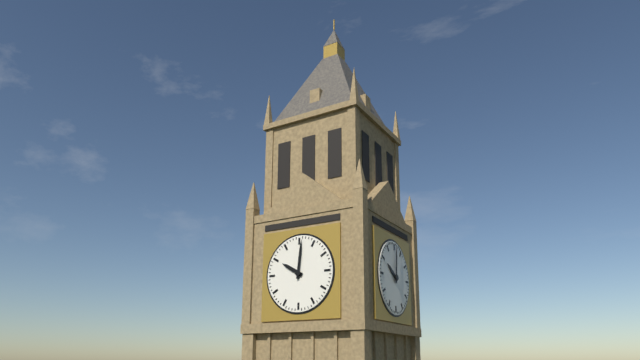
{"hour": 10, "minute": 1}
